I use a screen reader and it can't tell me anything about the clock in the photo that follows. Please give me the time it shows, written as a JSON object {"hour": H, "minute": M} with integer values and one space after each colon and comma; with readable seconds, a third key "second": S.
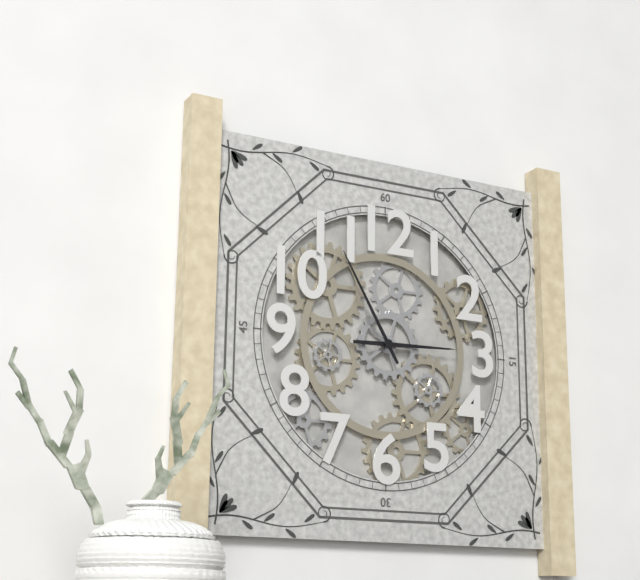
{"hour": 2, "minute": 55}
